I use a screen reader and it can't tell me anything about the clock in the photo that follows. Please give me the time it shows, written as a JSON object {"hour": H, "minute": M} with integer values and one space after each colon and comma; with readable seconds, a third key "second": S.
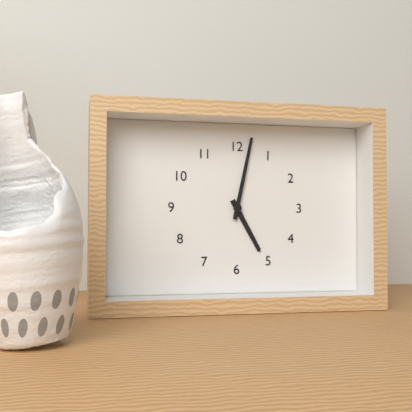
{"hour": 5, "minute": 2}
